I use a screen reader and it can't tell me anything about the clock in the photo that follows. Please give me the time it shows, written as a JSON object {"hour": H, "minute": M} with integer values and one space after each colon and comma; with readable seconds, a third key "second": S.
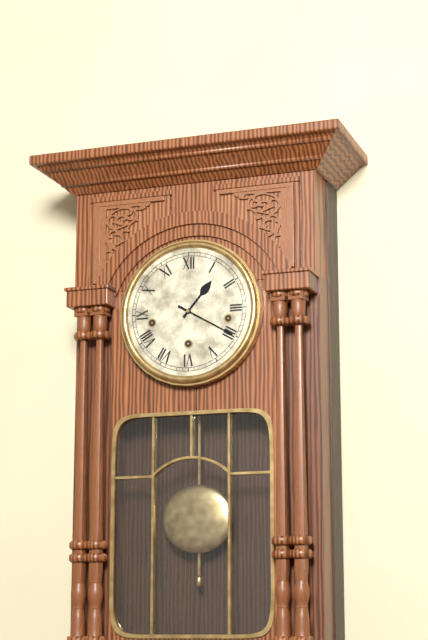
{"hour": 1, "minute": 20}
